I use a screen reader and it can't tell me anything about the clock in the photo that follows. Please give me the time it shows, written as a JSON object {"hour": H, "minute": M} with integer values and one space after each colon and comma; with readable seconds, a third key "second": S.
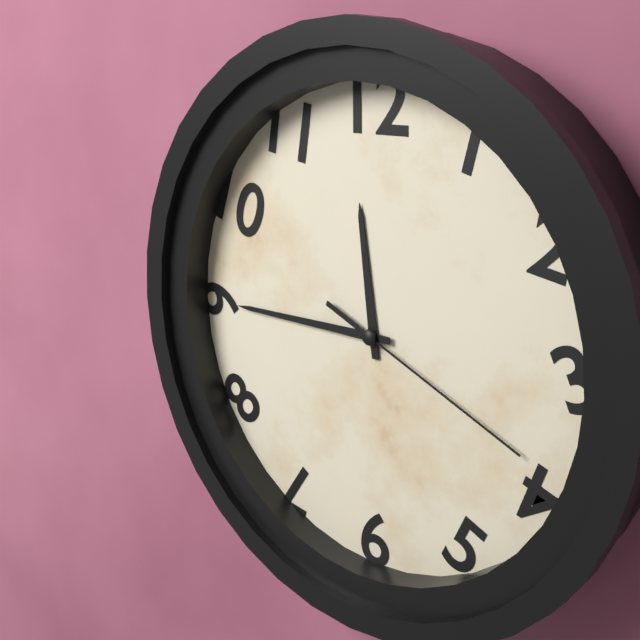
{"hour": 11, "minute": 45, "second": 19}
